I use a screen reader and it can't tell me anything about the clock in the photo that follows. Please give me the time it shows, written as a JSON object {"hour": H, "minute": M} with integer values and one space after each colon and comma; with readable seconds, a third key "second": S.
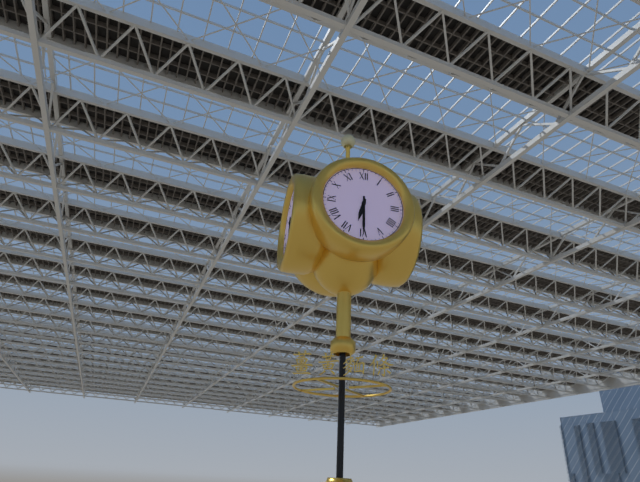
{"hour": 6, "minute": 30}
